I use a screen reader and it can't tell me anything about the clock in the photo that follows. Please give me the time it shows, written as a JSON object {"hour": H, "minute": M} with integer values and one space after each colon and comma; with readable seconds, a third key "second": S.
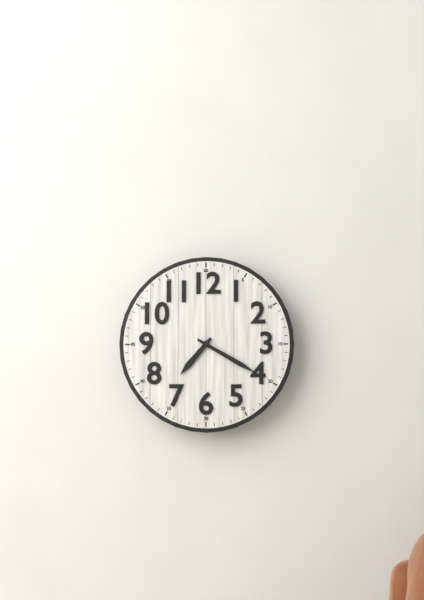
{"hour": 7, "minute": 20}
